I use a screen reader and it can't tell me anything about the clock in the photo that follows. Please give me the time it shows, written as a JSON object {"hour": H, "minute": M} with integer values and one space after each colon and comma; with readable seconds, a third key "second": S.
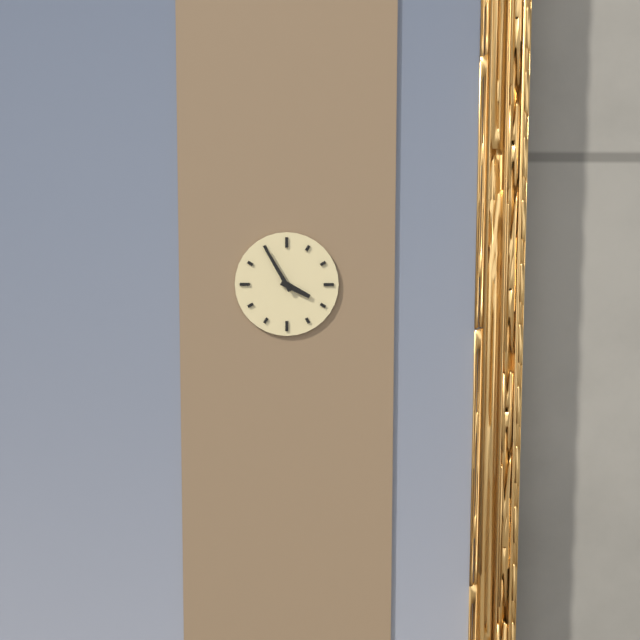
{"hour": 3, "minute": 55}
